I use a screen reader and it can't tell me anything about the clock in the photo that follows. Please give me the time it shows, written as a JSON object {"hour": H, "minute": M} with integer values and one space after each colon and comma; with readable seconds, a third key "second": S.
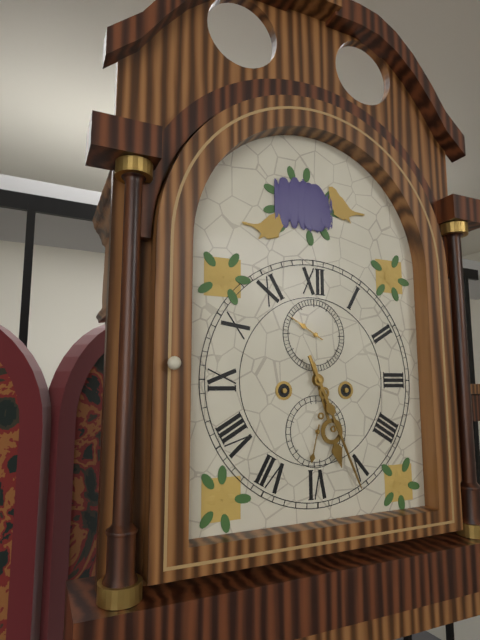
{"hour": 5, "minute": 26}
